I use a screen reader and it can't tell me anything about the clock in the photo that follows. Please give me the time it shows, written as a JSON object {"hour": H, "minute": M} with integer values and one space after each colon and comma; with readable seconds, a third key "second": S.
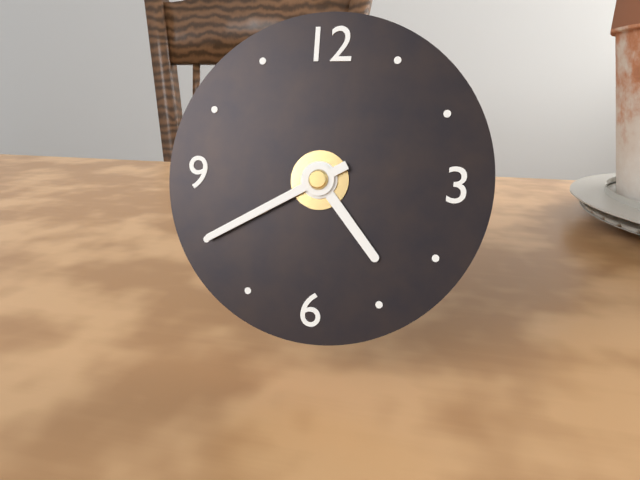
{"hour": 4, "minute": 40}
